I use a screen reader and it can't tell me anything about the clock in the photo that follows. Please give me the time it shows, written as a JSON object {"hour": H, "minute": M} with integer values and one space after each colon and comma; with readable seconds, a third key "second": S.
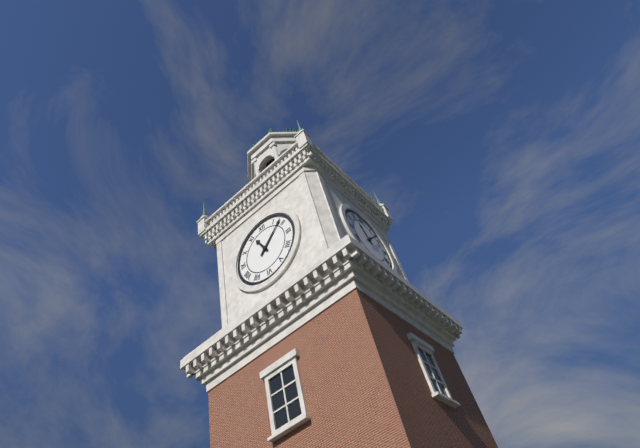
{"hour": 11, "minute": 8}
